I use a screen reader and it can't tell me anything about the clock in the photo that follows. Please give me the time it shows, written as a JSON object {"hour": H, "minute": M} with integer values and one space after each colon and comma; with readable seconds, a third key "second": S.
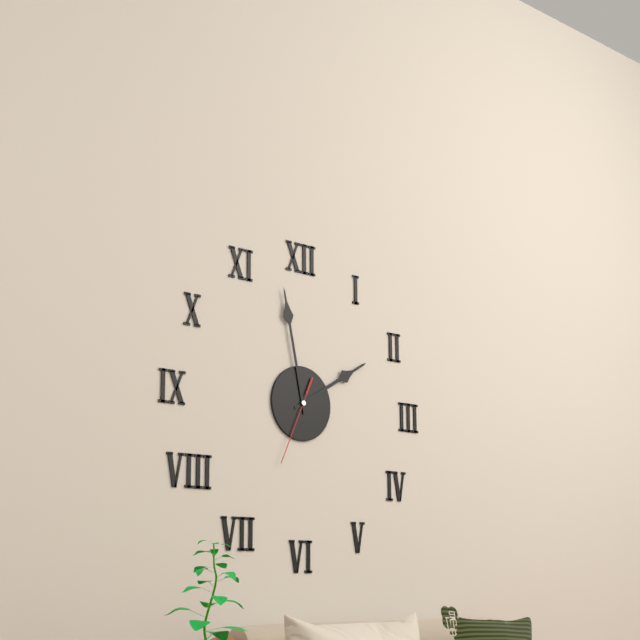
{"hour": 1, "minute": 58, "second": 34}
